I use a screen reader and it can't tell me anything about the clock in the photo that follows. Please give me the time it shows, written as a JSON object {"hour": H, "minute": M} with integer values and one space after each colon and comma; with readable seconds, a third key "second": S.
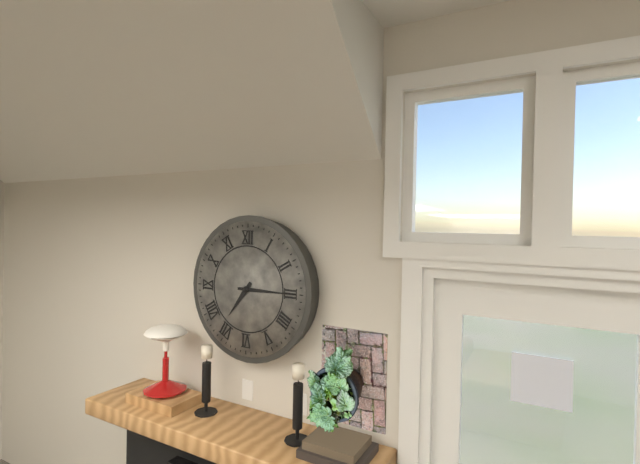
{"hour": 7, "minute": 15}
